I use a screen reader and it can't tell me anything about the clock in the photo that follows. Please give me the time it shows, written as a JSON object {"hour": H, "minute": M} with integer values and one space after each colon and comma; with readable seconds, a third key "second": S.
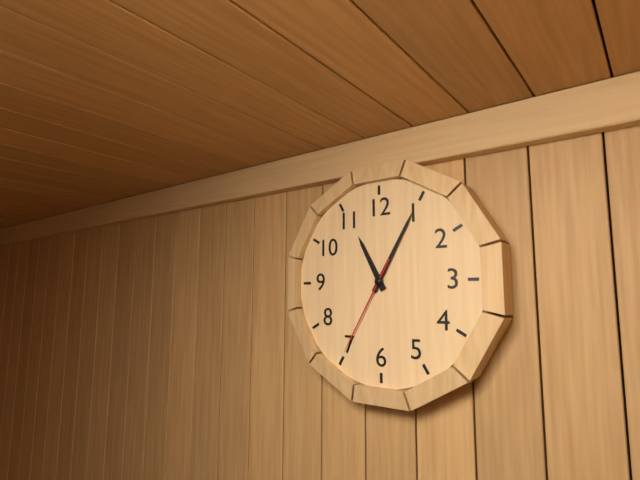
{"hour": 11, "minute": 5, "second": 35}
